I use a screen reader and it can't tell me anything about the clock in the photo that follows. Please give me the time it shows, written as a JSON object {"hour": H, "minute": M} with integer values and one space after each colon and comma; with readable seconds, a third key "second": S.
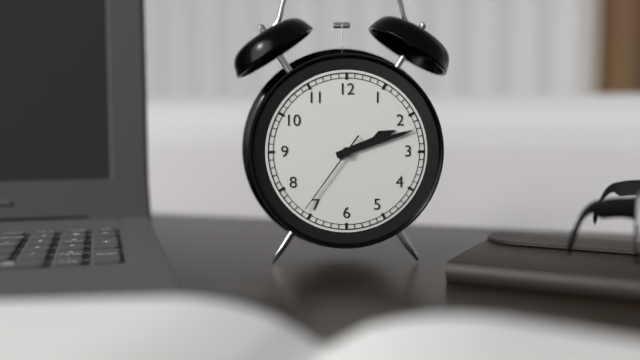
{"hour": 2, "minute": 12, "second": 36}
